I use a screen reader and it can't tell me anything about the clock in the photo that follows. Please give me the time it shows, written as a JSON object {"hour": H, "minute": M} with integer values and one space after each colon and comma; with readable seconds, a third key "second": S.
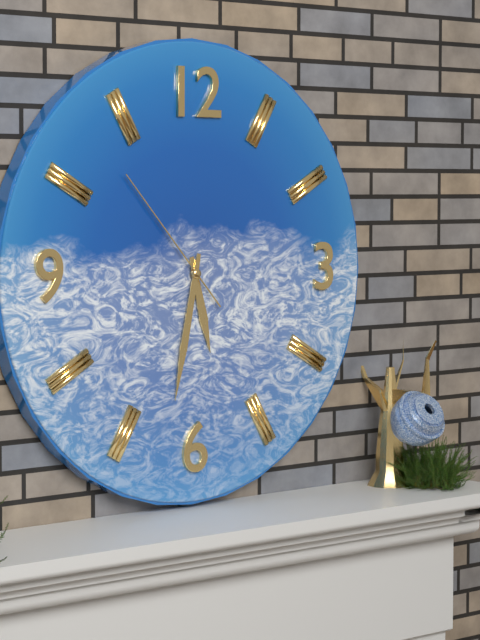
{"hour": 5, "minute": 32, "second": 53}
